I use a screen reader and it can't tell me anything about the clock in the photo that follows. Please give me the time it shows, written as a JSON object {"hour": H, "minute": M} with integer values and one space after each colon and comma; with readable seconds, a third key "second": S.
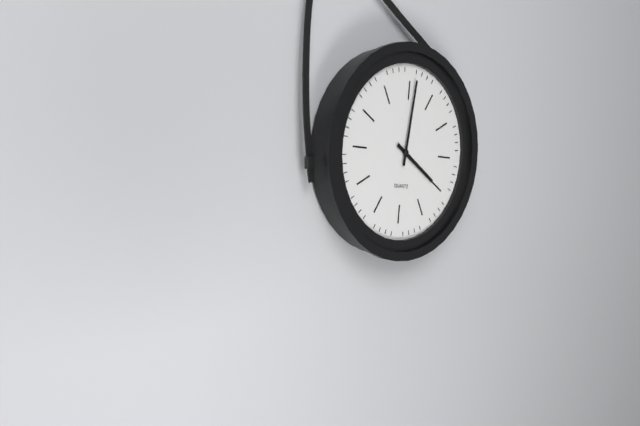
{"hour": 4, "minute": 1}
